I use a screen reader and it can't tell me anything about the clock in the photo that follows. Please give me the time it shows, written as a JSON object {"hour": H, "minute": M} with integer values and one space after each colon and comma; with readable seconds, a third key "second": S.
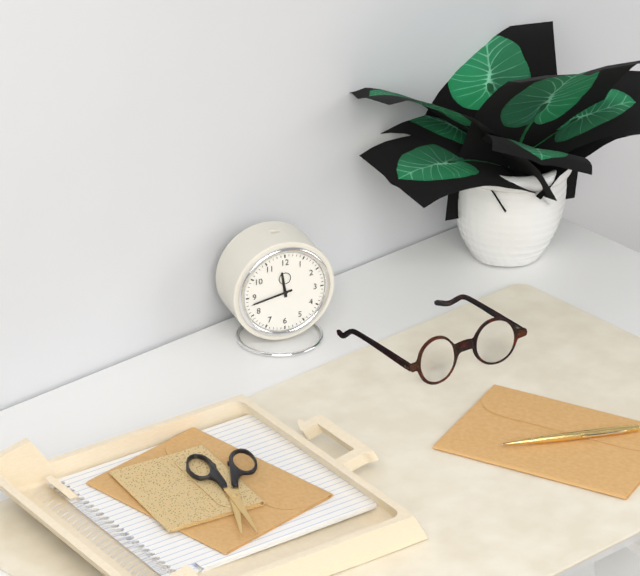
{"hour": 11, "minute": 43}
